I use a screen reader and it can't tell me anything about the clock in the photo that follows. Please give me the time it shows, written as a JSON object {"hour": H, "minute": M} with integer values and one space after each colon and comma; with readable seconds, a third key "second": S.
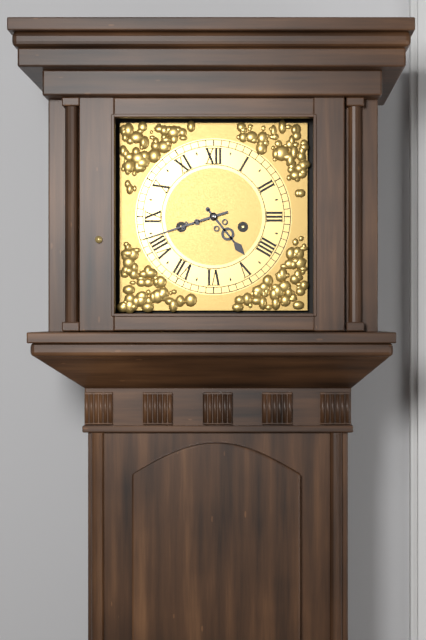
{"hour": 4, "minute": 42}
